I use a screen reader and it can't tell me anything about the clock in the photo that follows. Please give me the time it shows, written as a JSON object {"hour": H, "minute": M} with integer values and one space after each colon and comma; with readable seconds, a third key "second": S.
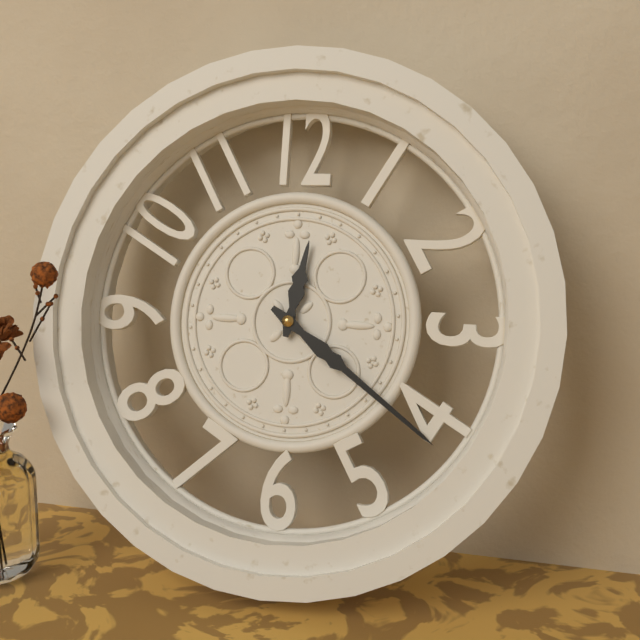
{"hour": 12, "minute": 21}
